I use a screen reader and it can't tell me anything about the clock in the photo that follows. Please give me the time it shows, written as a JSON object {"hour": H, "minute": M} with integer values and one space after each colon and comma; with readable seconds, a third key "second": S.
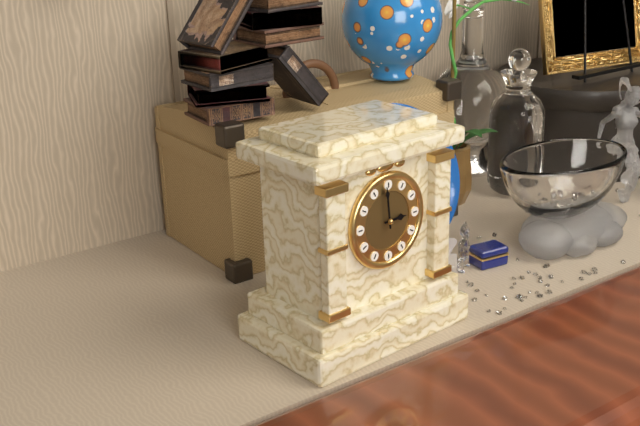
{"hour": 2, "minute": 59}
